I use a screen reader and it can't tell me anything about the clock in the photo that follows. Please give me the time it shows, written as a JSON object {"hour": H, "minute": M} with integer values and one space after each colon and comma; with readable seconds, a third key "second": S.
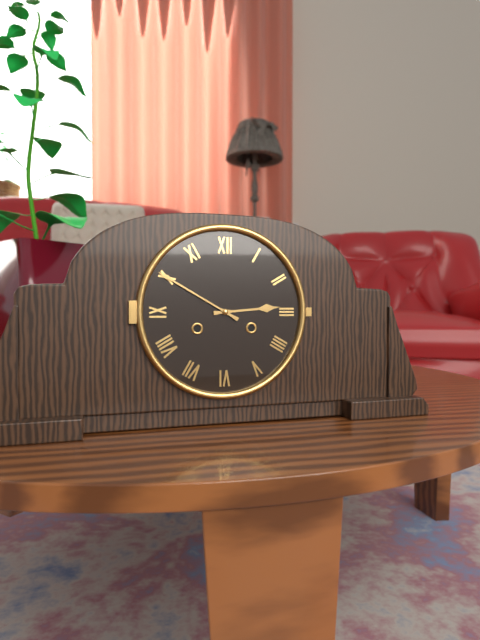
{"hour": 2, "minute": 50}
